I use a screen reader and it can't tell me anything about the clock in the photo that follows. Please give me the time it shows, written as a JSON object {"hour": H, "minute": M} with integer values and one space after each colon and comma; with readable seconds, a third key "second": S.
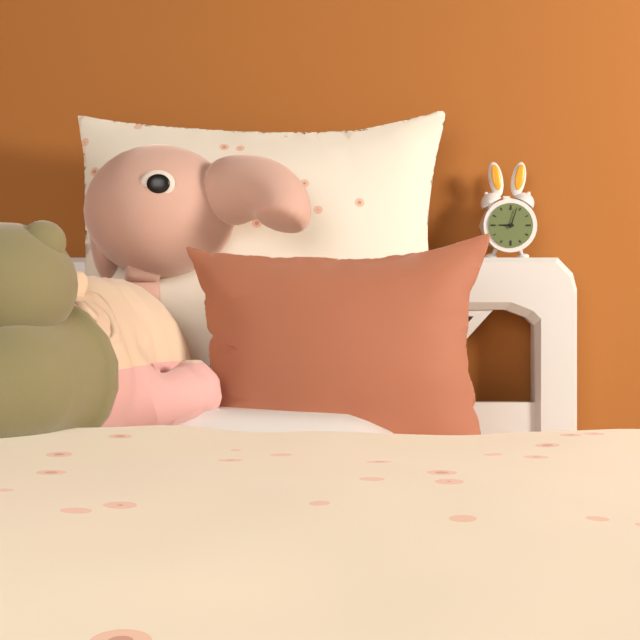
{"hour": 9, "minute": 3}
